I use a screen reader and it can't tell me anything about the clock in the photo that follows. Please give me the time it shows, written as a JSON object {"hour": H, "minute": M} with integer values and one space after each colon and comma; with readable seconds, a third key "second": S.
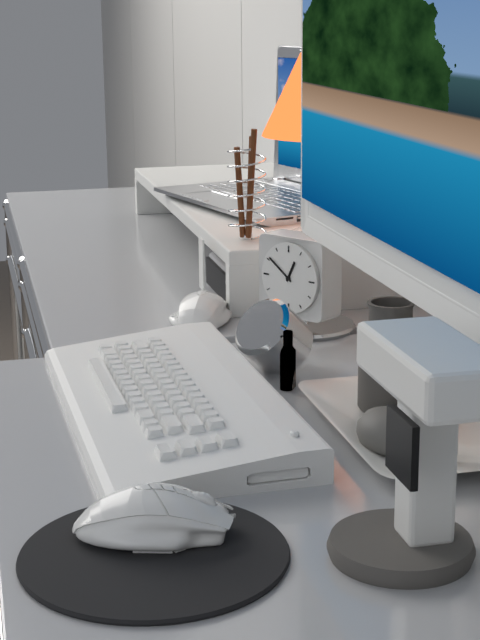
{"hour": 12, "minute": 51}
